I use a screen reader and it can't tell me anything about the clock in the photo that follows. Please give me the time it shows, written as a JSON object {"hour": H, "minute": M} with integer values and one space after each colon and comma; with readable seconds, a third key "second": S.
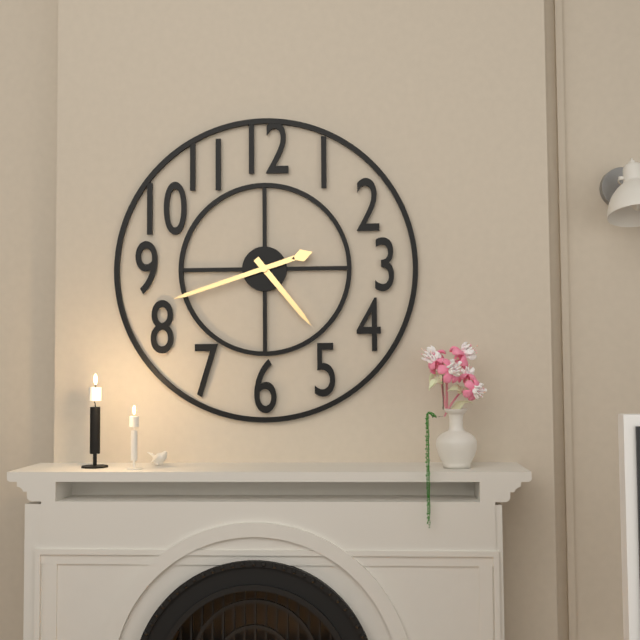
{"hour": 4, "minute": 42}
